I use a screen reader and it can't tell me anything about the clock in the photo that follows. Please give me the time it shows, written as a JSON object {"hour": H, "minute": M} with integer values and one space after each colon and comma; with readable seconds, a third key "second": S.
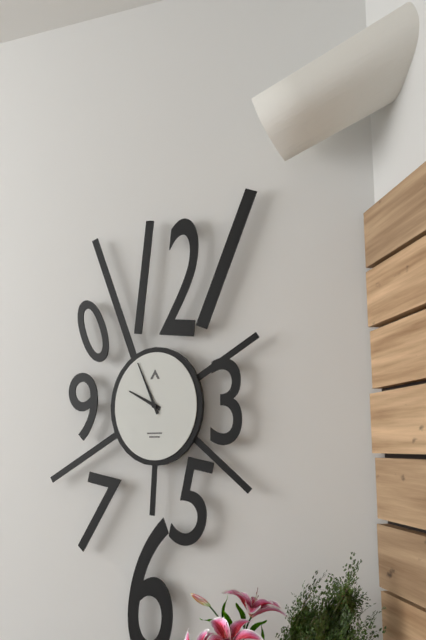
{"hour": 9, "minute": 56}
